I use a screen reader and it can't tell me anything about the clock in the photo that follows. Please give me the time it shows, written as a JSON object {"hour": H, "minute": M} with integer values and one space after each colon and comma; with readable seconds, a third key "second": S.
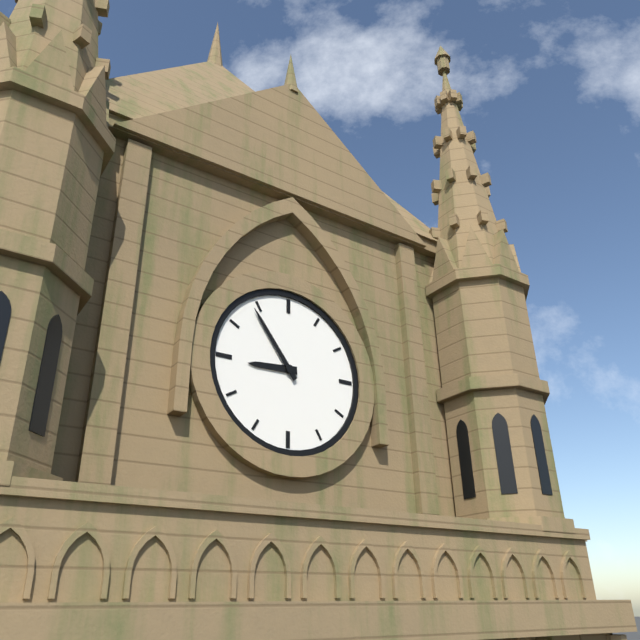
{"hour": 8, "minute": 54}
